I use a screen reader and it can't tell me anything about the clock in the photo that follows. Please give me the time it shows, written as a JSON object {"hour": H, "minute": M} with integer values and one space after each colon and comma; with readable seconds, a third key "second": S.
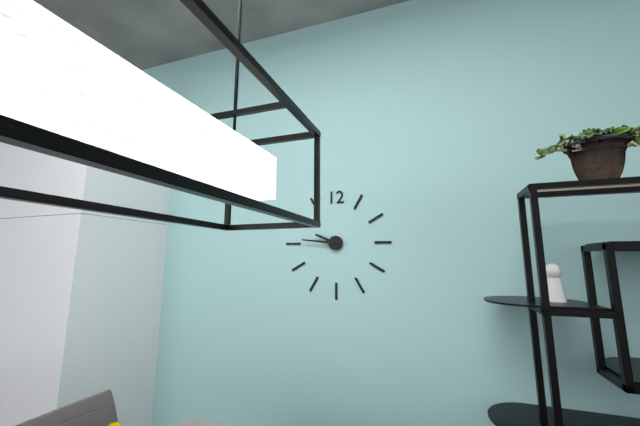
{"hour": 9, "minute": 46}
